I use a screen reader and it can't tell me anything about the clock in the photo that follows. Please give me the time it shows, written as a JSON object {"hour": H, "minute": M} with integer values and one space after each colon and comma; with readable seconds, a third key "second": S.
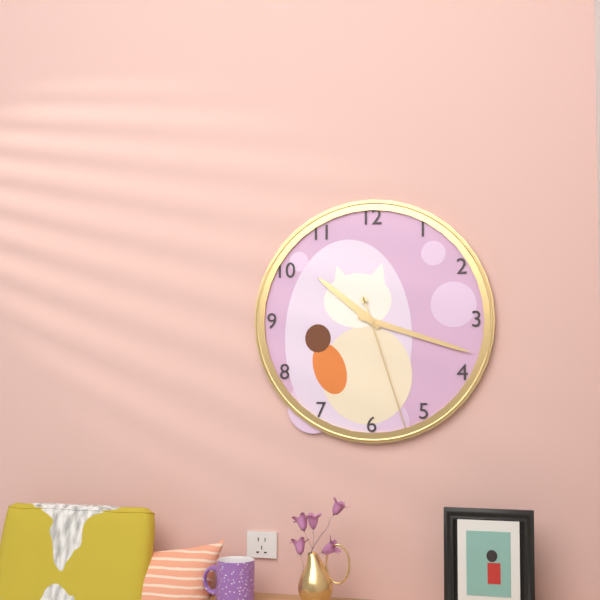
{"hour": 10, "minute": 18, "second": 27}
